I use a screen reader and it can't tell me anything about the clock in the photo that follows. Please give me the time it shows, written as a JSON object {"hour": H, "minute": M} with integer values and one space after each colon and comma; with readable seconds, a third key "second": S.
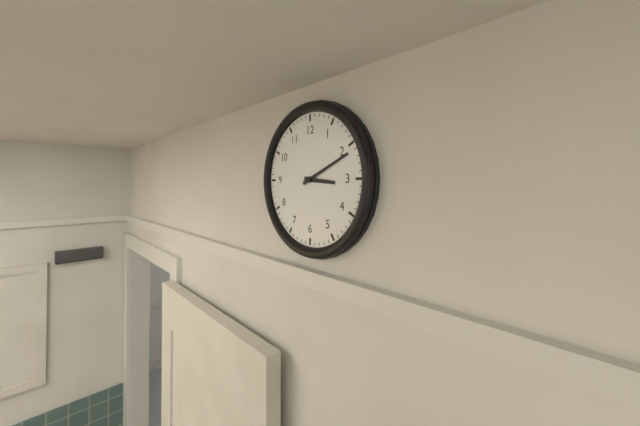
{"hour": 3, "minute": 11}
